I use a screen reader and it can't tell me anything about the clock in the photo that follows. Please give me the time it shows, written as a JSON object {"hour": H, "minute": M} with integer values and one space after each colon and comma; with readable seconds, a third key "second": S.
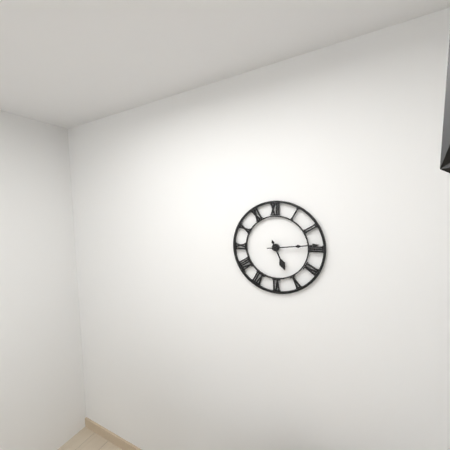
{"hour": 5, "minute": 14}
